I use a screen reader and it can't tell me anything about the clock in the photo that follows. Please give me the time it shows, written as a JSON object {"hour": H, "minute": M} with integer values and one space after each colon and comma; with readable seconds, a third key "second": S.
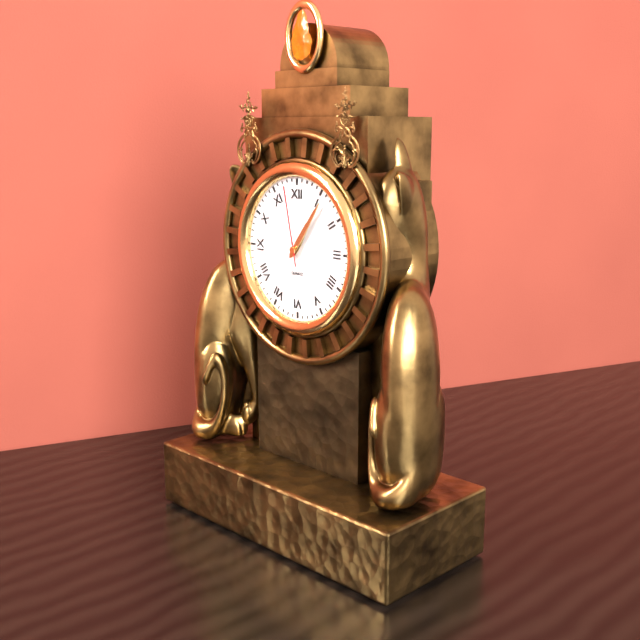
{"hour": 1, "minute": 6, "second": 58}
